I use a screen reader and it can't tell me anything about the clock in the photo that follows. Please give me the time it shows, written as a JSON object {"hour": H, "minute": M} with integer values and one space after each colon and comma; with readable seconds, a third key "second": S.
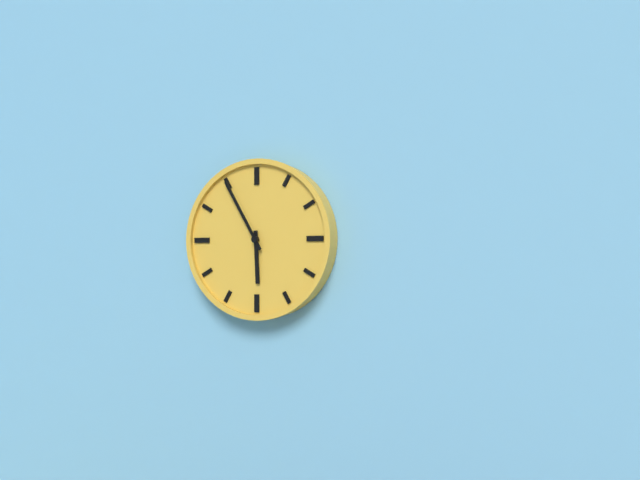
{"hour": 5, "minute": 55}
